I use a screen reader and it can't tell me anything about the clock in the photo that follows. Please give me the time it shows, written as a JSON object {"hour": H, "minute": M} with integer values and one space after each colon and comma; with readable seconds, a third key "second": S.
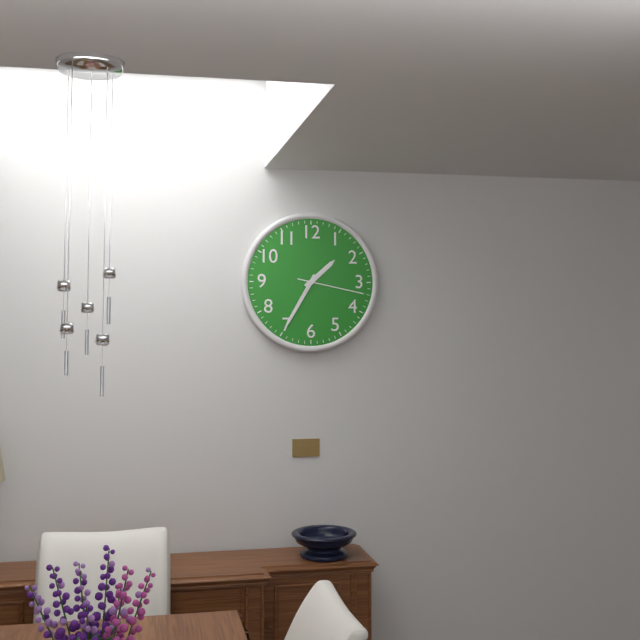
{"hour": 1, "minute": 35, "second": 17}
